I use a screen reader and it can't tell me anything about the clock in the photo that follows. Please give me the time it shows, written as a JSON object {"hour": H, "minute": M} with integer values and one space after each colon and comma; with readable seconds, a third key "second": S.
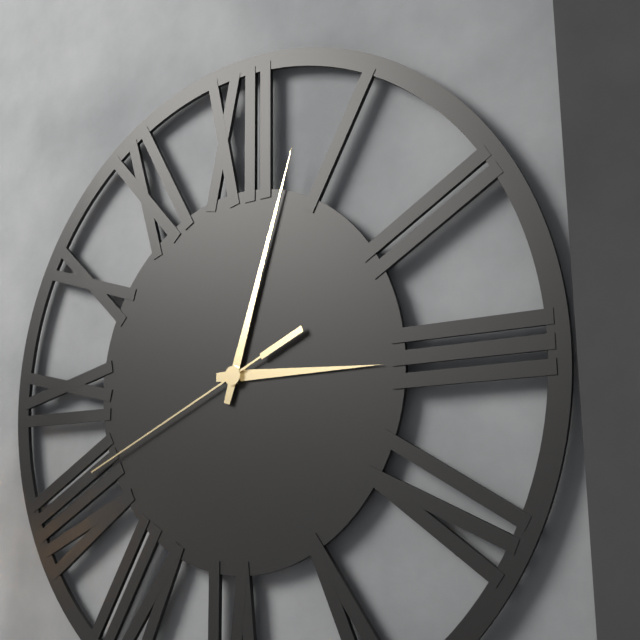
{"hour": 3, "minute": 3, "second": 41}
